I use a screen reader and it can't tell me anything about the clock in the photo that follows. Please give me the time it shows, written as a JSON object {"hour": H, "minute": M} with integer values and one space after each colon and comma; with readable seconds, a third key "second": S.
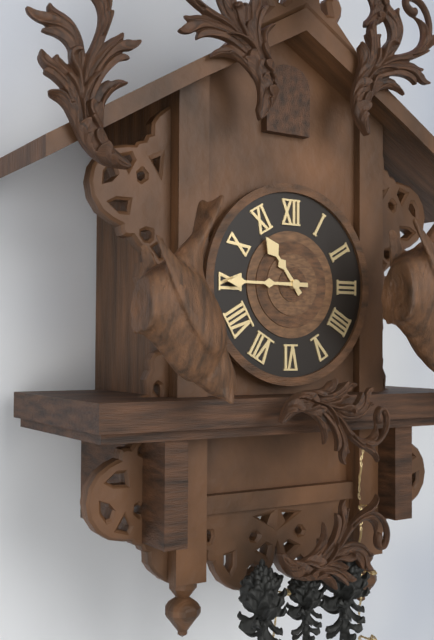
{"hour": 10, "minute": 45}
